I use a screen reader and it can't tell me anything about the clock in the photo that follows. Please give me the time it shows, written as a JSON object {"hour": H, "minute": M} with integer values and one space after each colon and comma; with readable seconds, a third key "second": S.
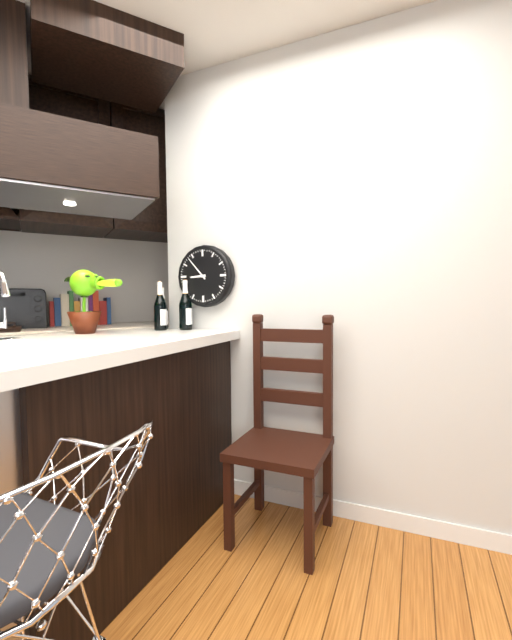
{"hour": 8, "minute": 53}
